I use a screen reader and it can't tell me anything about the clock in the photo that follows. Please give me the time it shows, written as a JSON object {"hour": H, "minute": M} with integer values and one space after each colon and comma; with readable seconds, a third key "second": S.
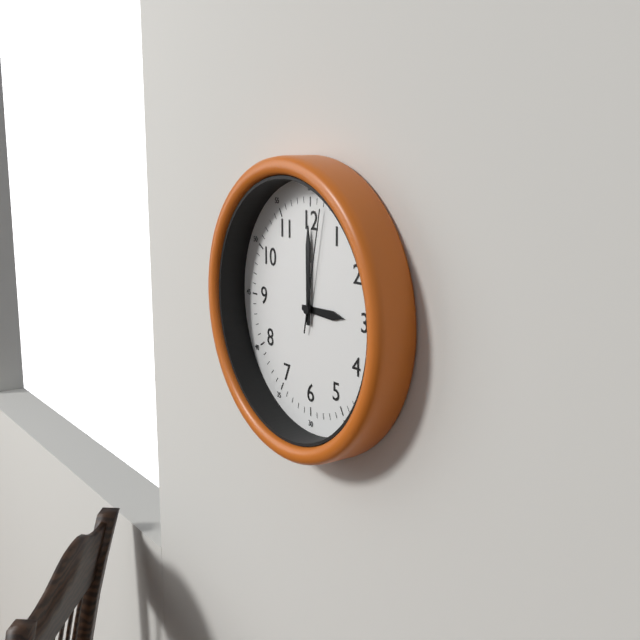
{"hour": 3, "minute": 0, "second": 2}
